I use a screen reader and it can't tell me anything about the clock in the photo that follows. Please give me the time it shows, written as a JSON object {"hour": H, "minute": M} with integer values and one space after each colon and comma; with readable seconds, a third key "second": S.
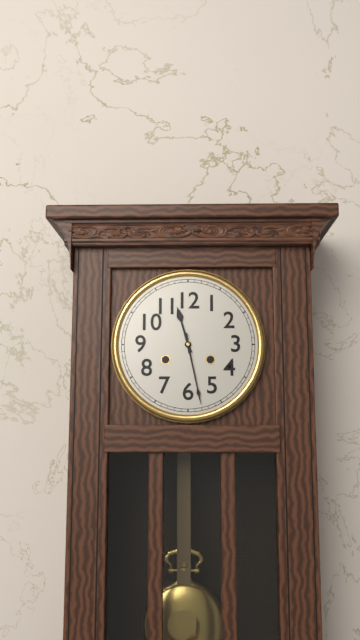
{"hour": 11, "minute": 28}
